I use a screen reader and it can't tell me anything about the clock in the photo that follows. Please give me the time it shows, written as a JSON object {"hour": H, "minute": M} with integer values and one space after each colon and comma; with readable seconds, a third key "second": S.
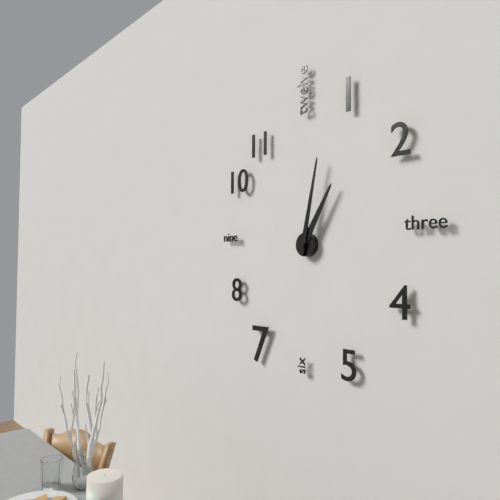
{"hour": 1, "minute": 2}
